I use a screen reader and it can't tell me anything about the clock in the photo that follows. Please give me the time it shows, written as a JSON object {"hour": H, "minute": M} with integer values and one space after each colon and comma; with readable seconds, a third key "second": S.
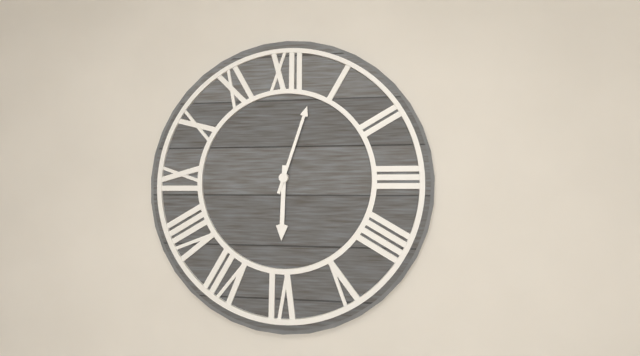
{"hour": 6, "minute": 3}
